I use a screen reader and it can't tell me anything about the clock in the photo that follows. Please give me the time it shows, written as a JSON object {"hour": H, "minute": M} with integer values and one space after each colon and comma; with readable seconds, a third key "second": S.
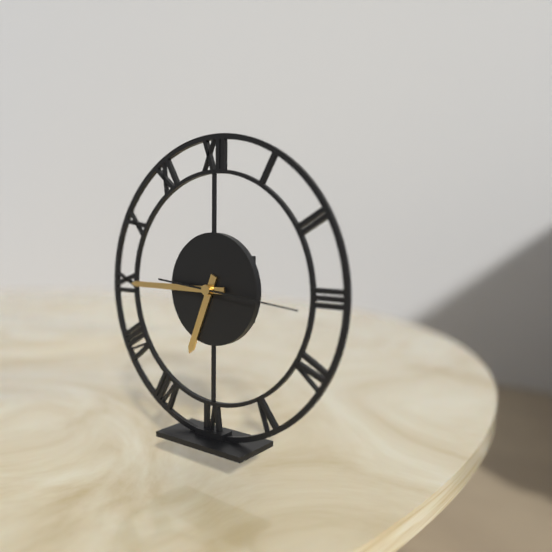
{"hour": 6, "minute": 45, "second": 16}
